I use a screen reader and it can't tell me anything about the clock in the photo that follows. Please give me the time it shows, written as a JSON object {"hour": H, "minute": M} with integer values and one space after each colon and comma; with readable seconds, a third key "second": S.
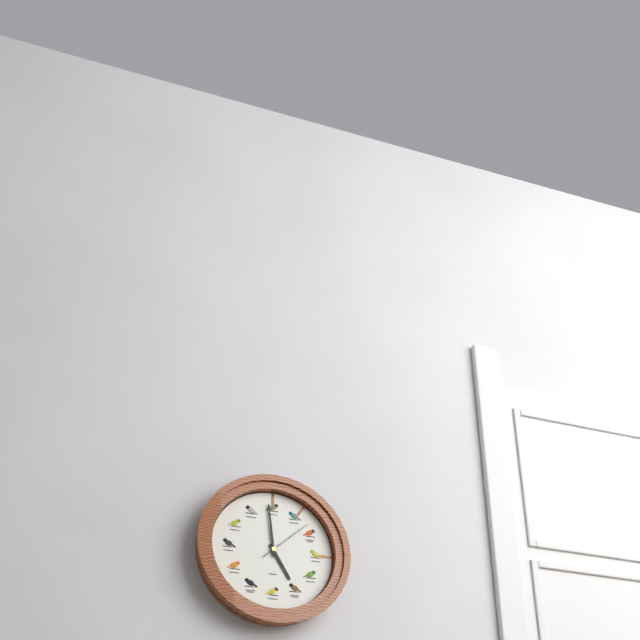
{"hour": 4, "minute": 59, "second": 8}
